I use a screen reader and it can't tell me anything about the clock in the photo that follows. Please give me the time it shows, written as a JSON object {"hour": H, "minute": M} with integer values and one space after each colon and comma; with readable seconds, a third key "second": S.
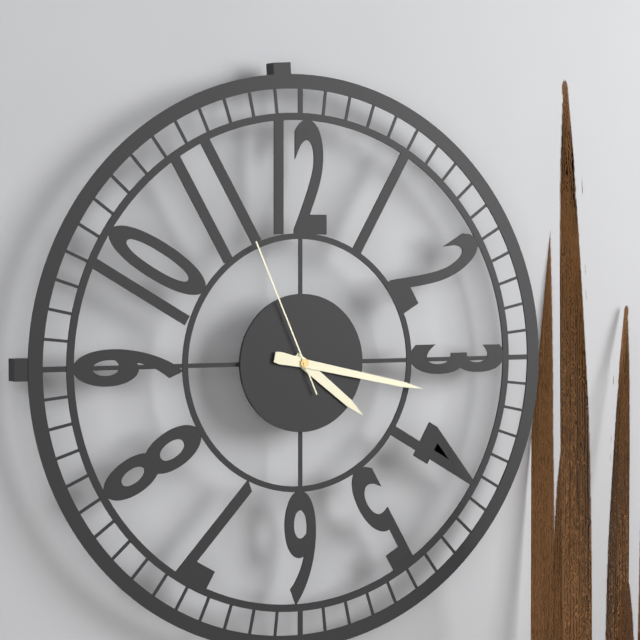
{"hour": 4, "minute": 17, "second": 56}
